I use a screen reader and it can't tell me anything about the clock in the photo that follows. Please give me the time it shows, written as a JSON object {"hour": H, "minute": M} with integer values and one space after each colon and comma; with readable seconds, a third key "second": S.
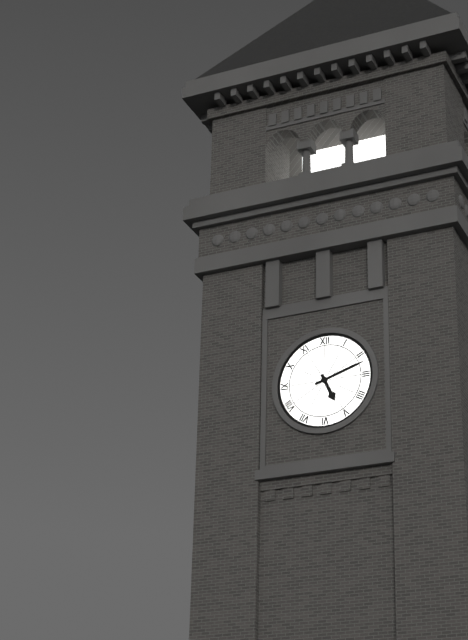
{"hour": 5, "minute": 12}
